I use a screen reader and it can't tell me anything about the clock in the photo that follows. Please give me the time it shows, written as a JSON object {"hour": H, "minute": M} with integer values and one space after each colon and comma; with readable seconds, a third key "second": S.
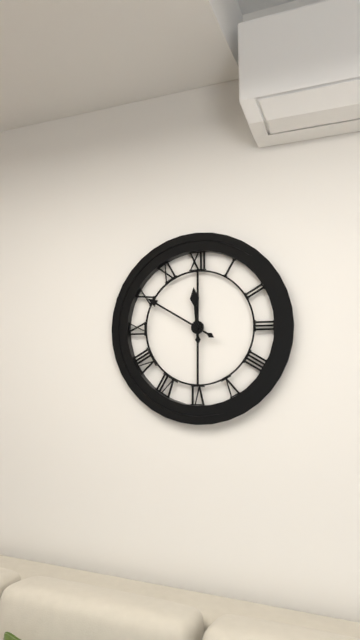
{"hour": 11, "minute": 50}
